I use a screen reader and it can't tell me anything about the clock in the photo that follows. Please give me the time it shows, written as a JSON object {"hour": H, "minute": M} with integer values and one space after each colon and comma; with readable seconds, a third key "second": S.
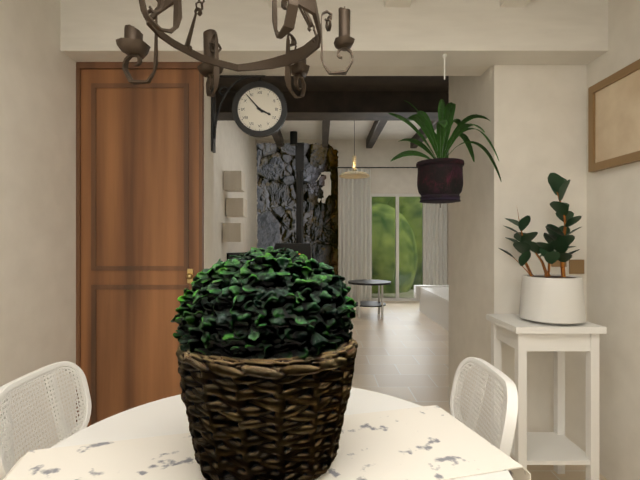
{"hour": 3, "minute": 53}
